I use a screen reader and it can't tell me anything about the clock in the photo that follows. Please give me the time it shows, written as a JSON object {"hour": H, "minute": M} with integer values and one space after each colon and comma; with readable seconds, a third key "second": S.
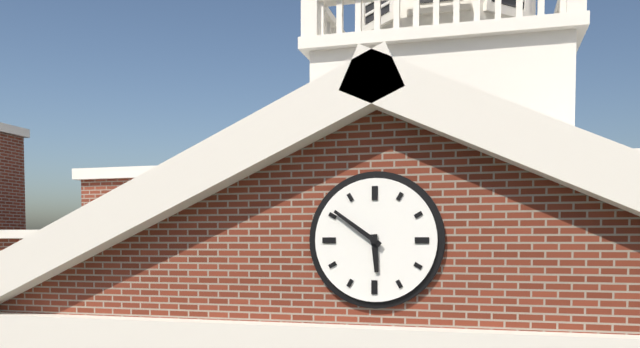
{"hour": 5, "minute": 51}
